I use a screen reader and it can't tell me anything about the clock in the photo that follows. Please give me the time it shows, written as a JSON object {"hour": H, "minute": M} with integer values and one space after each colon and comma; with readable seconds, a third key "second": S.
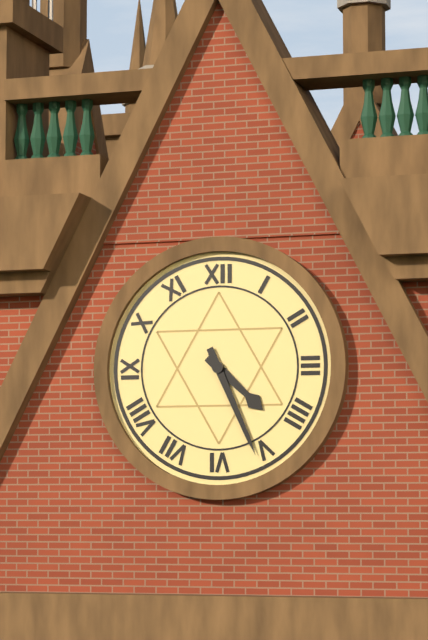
{"hour": 4, "minute": 26}
